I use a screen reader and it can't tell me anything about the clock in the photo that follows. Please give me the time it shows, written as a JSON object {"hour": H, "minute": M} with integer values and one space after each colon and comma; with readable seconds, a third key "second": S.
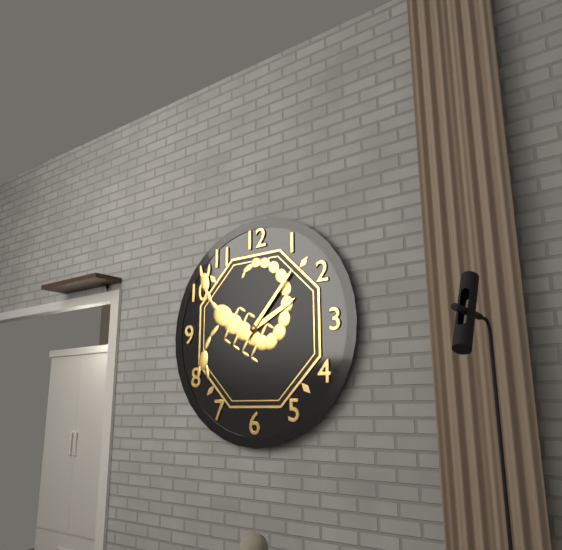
{"hour": 2, "minute": 7}
